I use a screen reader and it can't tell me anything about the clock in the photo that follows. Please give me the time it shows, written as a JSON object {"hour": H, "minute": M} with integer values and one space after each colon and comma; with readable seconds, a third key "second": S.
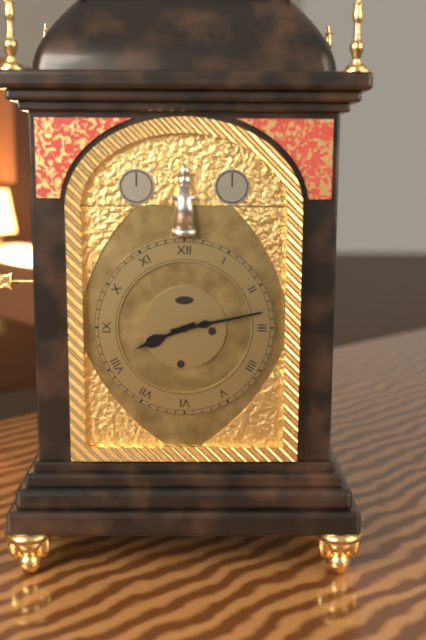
{"hour": 8, "minute": 13}
